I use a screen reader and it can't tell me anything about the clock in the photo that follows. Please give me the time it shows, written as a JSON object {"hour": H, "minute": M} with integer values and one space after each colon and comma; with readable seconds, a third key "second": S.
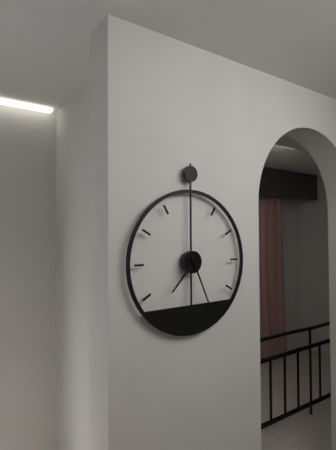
{"hour": 7, "minute": 26}
